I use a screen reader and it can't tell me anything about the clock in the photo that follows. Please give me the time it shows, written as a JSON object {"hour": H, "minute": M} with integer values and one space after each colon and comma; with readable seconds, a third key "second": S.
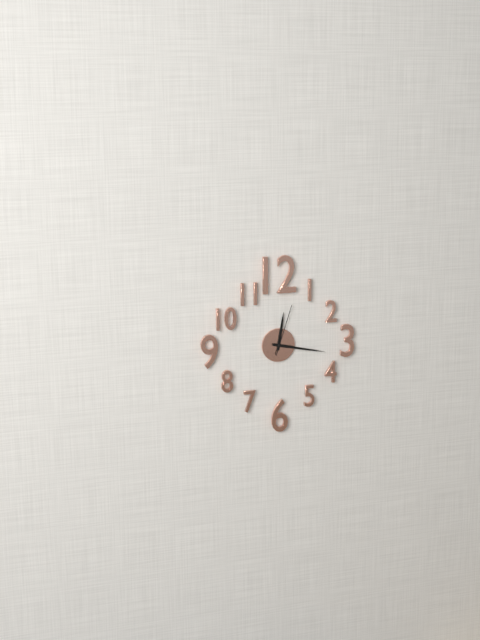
{"hour": 12, "minute": 17, "second": 3}
